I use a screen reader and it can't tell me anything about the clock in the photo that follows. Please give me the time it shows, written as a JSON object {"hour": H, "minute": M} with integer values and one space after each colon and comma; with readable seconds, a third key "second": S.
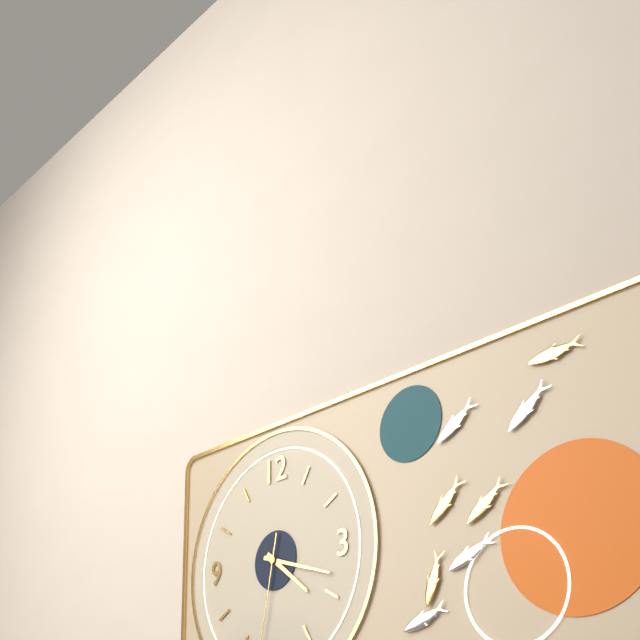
{"hour": 4, "minute": 18}
